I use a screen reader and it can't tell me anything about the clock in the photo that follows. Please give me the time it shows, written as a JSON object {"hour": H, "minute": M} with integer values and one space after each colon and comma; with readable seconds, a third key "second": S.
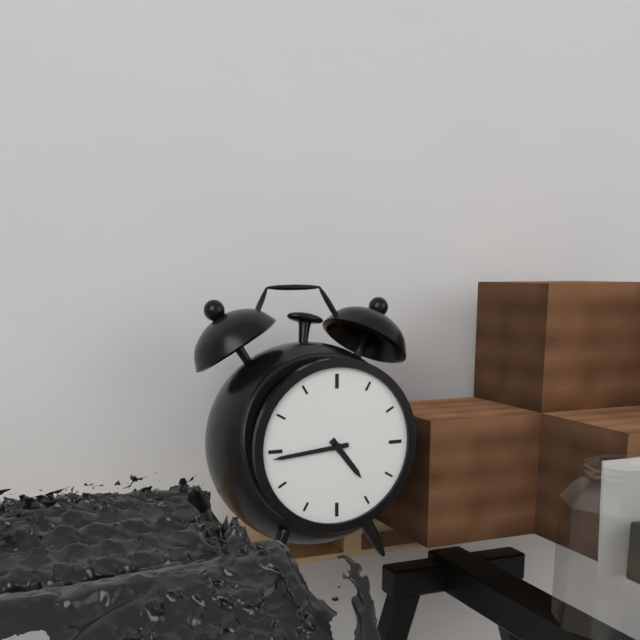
{"hour": 4, "minute": 44}
